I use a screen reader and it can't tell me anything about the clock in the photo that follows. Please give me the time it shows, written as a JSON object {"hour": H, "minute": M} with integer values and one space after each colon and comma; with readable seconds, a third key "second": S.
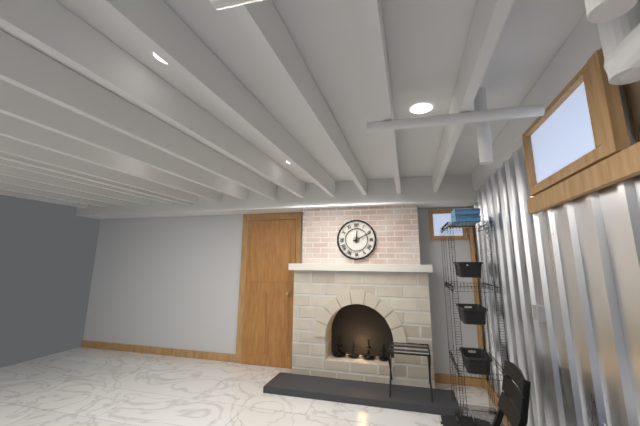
{"hour": 12, "minute": 11}
